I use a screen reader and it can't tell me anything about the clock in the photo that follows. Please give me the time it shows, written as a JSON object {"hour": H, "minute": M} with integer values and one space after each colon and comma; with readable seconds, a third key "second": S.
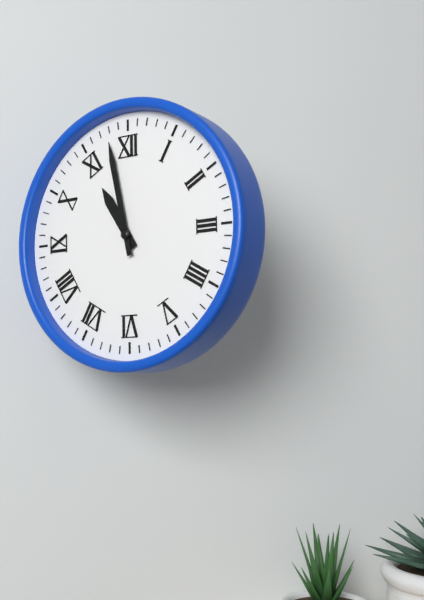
{"hour": 10, "minute": 58}
